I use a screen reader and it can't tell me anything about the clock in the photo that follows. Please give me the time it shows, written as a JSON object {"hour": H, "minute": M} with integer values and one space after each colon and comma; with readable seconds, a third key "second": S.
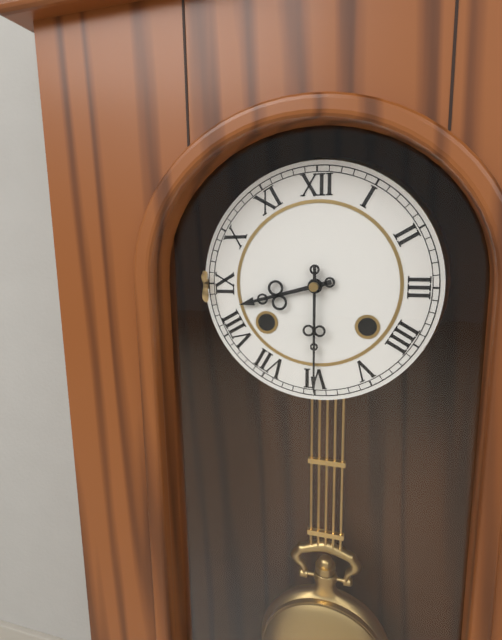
{"hour": 8, "minute": 30}
